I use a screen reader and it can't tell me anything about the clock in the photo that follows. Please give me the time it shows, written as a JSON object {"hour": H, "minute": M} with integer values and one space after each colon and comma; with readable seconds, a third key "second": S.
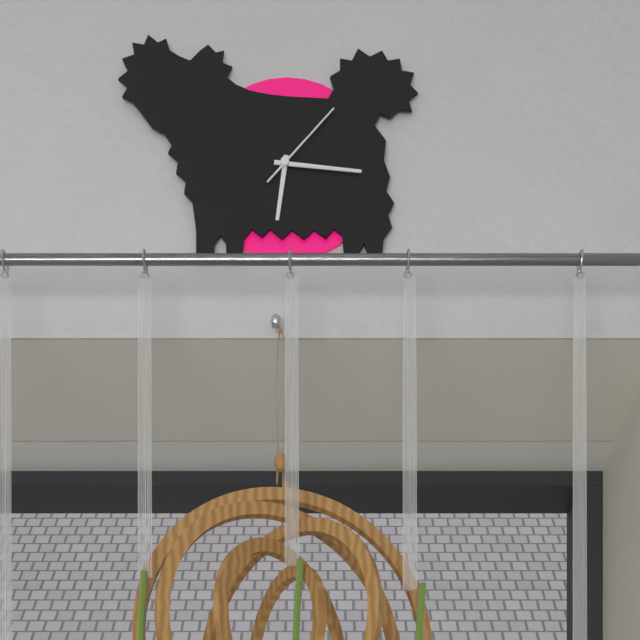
{"hour": 6, "minute": 16, "second": 7}
